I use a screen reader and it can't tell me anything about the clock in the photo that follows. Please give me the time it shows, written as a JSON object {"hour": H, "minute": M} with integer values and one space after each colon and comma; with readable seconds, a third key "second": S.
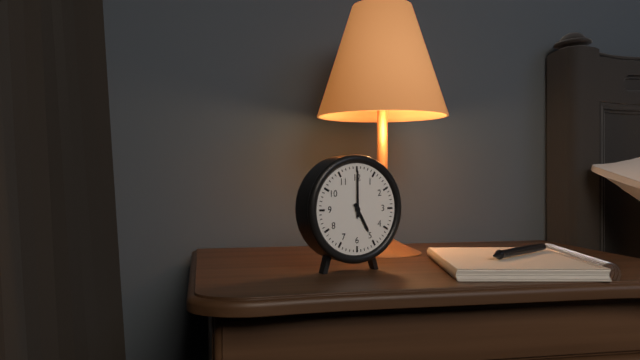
{"hour": 5, "minute": 0}
